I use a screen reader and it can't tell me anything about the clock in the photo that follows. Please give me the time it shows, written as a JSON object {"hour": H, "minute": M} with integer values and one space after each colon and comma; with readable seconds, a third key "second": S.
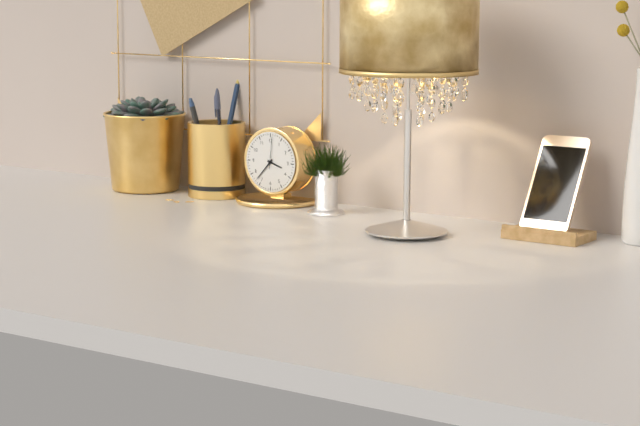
{"hour": 3, "minute": 37}
